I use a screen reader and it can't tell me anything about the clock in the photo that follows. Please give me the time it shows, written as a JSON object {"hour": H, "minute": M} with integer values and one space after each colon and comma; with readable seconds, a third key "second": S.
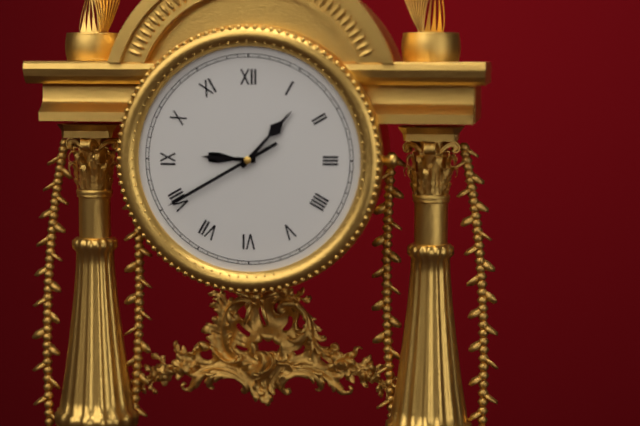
{"hour": 9, "minute": 7, "second": 40}
